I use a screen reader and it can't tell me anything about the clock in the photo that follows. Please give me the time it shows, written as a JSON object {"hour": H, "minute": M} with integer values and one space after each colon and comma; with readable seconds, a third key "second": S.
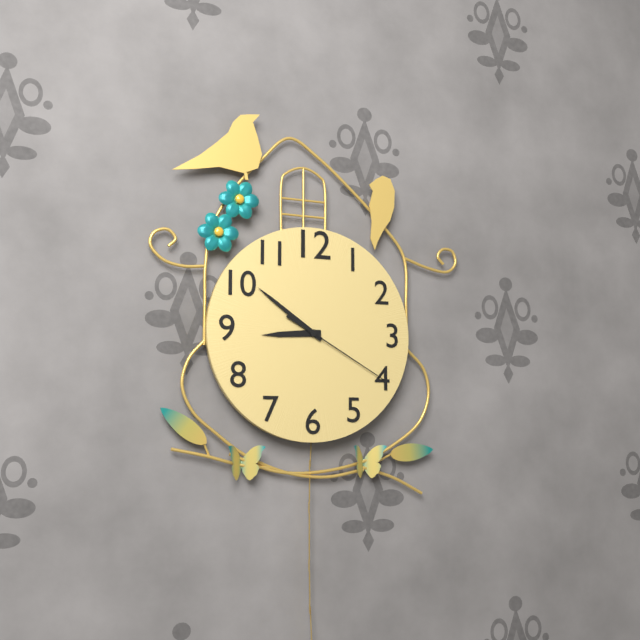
{"hour": 8, "minute": 51, "second": 20}
